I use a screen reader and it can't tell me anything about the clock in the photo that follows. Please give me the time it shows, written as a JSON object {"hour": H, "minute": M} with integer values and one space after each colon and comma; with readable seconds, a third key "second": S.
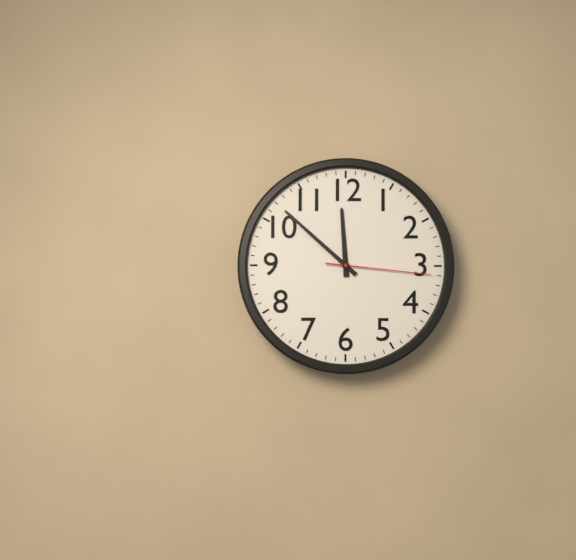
{"hour": 11, "minute": 52, "second": 16}
